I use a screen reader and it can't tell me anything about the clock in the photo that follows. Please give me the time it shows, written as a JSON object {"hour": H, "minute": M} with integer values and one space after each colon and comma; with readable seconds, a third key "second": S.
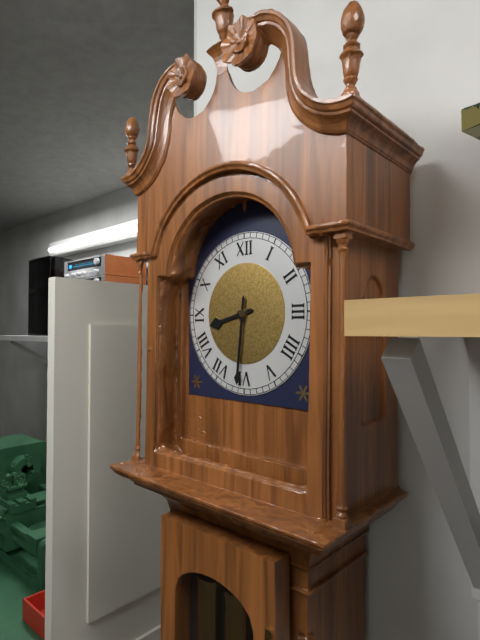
{"hour": 8, "minute": 31}
